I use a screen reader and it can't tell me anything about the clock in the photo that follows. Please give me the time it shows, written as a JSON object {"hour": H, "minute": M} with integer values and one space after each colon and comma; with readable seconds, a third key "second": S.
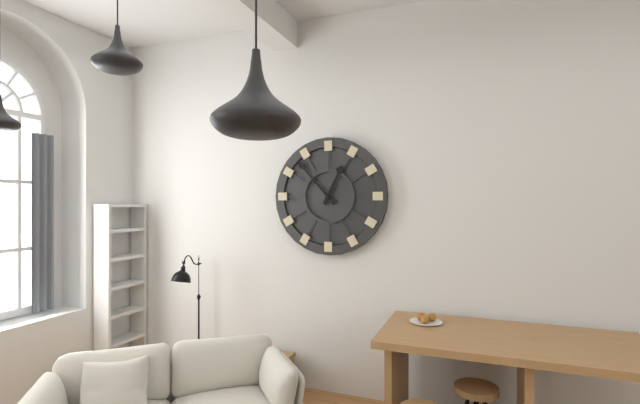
{"hour": 12, "minute": 53}
